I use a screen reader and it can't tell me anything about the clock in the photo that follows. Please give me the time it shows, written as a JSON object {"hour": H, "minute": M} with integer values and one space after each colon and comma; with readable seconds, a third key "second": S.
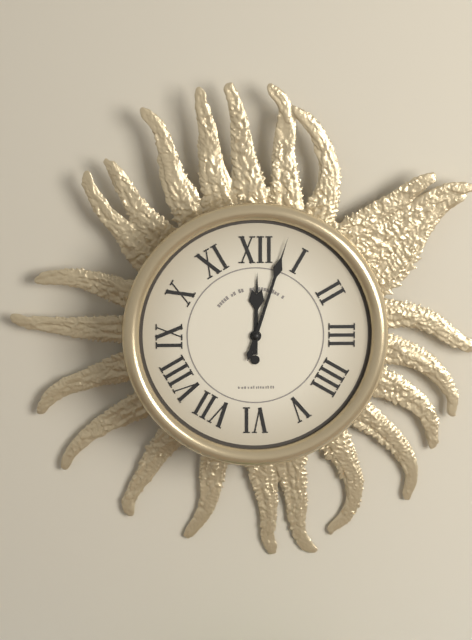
{"hour": 12, "minute": 3}
